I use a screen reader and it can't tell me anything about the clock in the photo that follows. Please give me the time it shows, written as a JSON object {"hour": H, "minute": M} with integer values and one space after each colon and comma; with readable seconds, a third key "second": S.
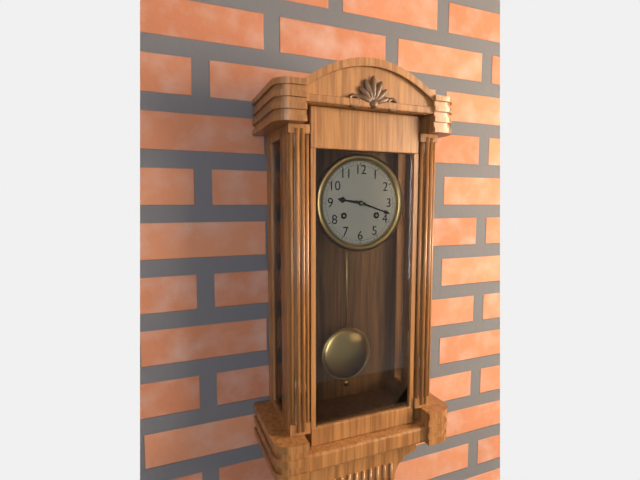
{"hour": 9, "minute": 18}
